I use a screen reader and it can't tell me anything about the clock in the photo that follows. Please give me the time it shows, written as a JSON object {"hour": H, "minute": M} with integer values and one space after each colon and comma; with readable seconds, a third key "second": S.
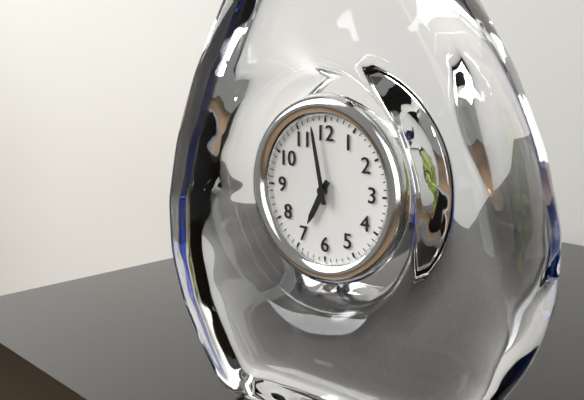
{"hour": 6, "minute": 58}
